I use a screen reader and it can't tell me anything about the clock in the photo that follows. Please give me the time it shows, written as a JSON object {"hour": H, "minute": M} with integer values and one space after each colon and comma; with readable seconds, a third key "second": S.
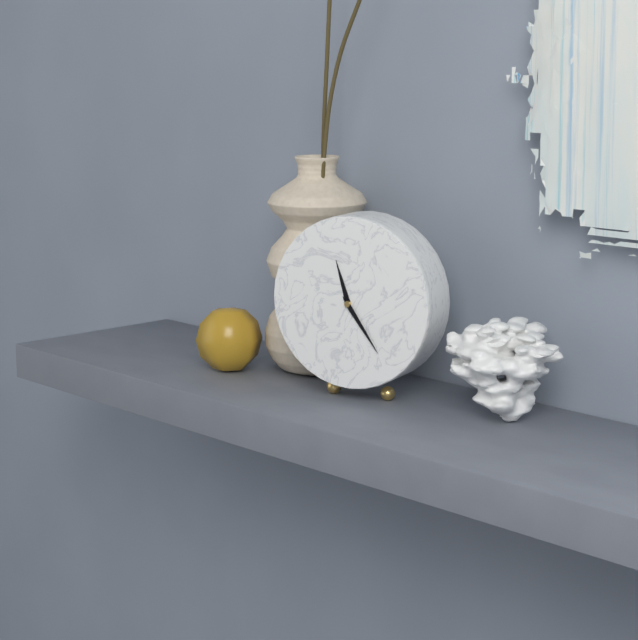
{"hour": 11, "minute": 24}
